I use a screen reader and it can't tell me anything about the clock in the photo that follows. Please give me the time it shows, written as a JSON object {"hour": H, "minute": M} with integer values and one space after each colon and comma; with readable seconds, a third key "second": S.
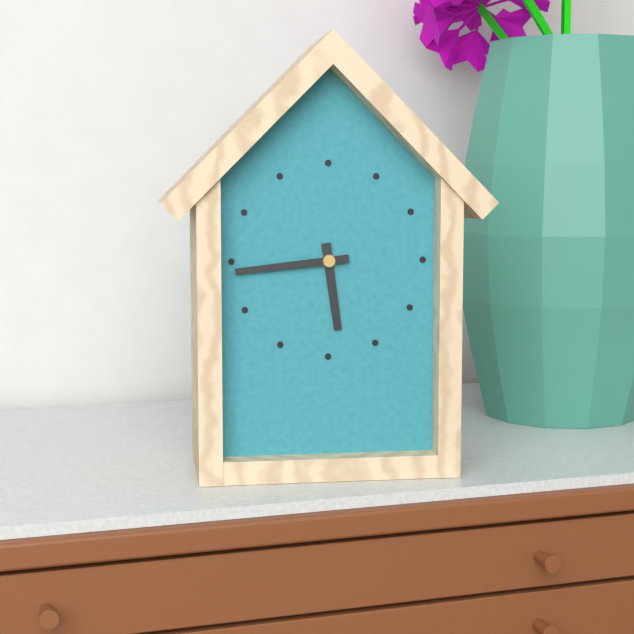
{"hour": 5, "minute": 44}
